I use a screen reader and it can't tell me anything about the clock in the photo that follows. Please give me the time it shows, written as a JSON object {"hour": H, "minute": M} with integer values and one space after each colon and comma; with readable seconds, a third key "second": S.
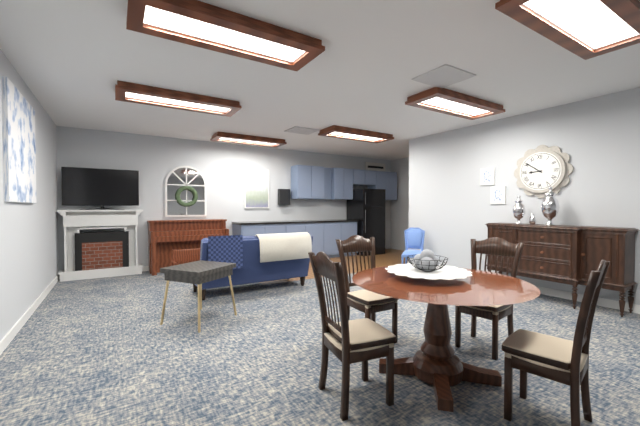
{"hour": 8, "minute": 51}
